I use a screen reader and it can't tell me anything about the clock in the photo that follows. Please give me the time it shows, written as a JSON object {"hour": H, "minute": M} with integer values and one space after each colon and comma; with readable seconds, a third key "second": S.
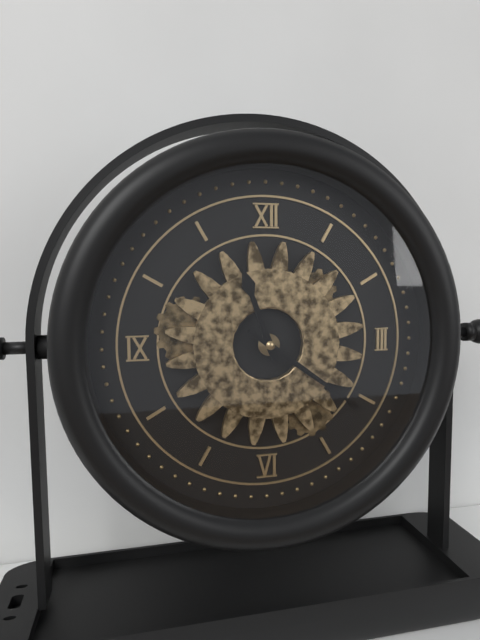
{"hour": 11, "minute": 21}
